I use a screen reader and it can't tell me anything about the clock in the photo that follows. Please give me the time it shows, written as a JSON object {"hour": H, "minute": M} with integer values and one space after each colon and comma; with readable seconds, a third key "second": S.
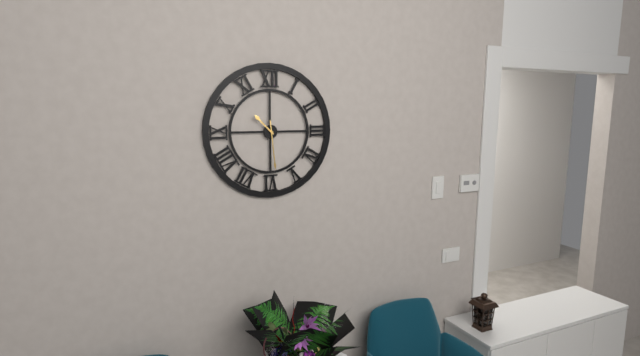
{"hour": 10, "minute": 29}
